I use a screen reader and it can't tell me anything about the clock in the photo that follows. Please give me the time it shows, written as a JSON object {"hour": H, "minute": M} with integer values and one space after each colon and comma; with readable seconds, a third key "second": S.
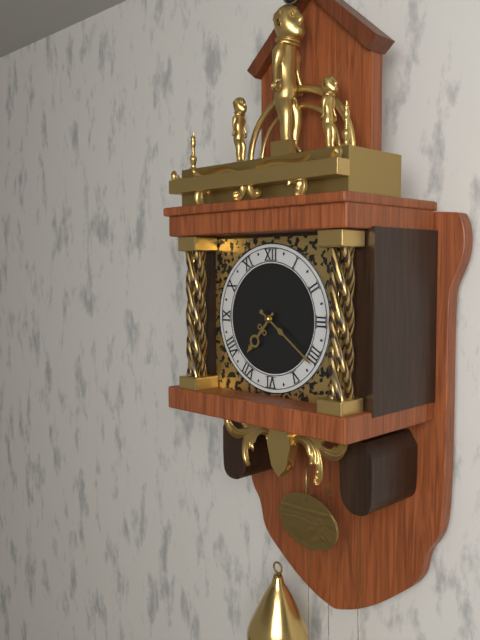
{"hour": 7, "minute": 21}
